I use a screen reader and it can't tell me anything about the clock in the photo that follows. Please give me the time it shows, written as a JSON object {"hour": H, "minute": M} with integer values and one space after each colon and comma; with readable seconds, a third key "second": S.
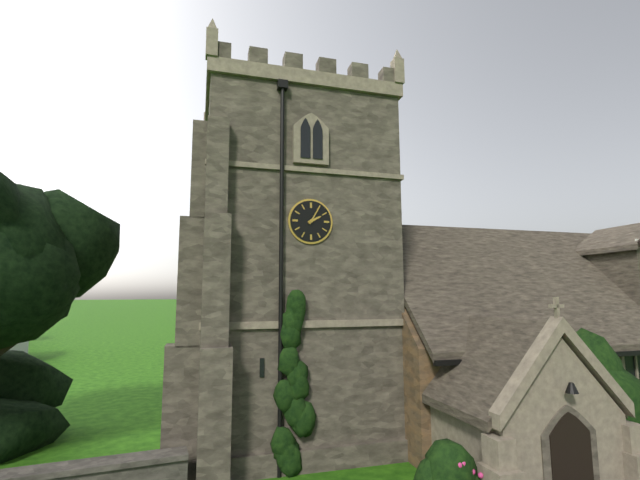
{"hour": 2, "minute": 5}
